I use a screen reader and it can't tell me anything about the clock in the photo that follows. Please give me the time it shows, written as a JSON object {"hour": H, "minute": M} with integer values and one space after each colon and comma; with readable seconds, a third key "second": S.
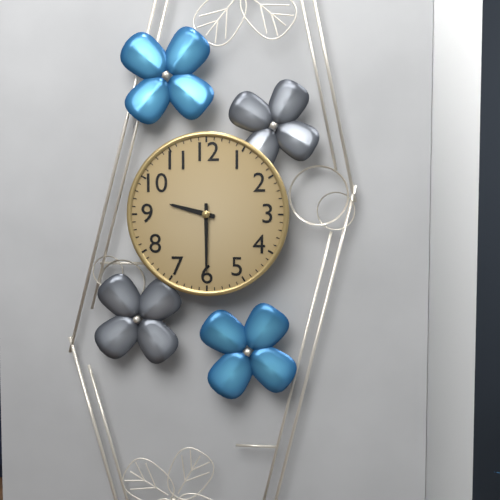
{"hour": 9, "minute": 30}
